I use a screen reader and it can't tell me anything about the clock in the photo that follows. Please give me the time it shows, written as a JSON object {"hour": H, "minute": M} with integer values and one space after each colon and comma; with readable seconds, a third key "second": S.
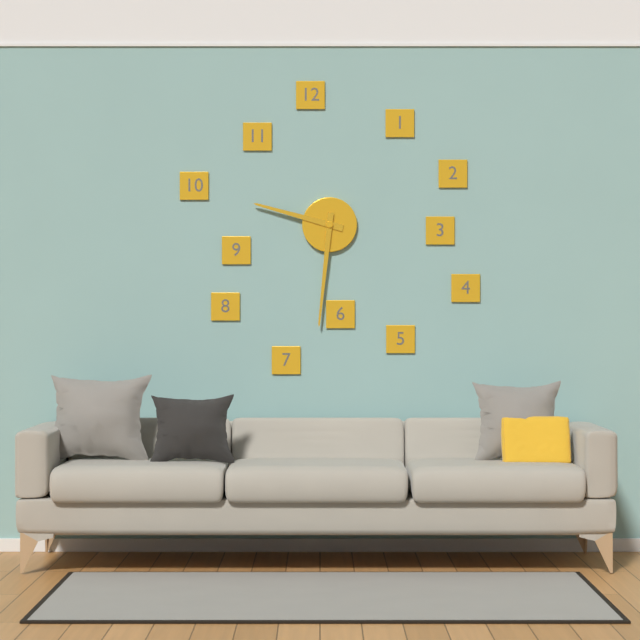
{"hour": 9, "minute": 31}
